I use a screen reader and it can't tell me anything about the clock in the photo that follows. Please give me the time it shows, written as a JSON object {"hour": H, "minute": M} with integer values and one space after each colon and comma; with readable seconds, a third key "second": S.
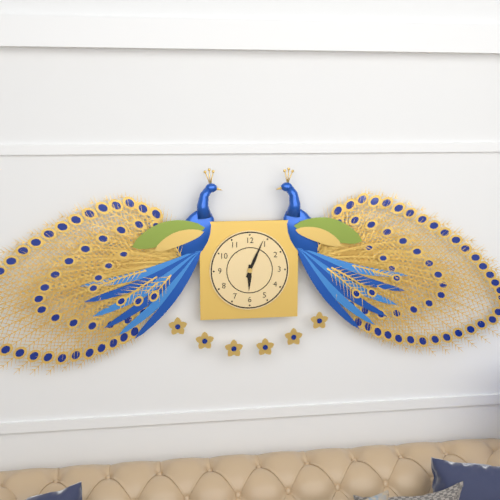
{"hour": 6, "minute": 4}
